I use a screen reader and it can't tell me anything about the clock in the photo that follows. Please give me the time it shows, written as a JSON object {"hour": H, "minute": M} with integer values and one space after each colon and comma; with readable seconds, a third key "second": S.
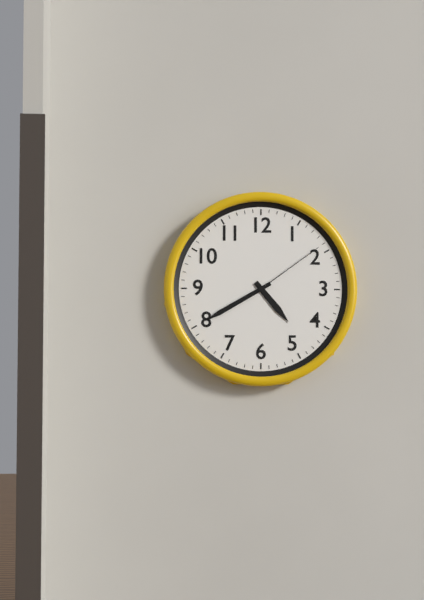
{"hour": 4, "minute": 40, "second": 9}
